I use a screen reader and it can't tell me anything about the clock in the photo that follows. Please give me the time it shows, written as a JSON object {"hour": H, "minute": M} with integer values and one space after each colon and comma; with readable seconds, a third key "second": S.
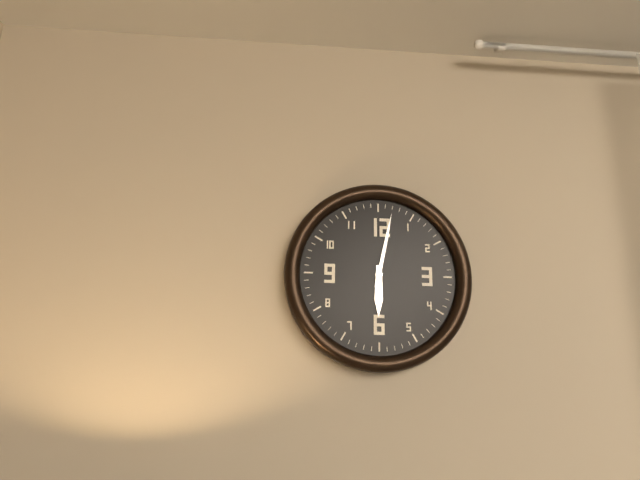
{"hour": 6, "minute": 2}
